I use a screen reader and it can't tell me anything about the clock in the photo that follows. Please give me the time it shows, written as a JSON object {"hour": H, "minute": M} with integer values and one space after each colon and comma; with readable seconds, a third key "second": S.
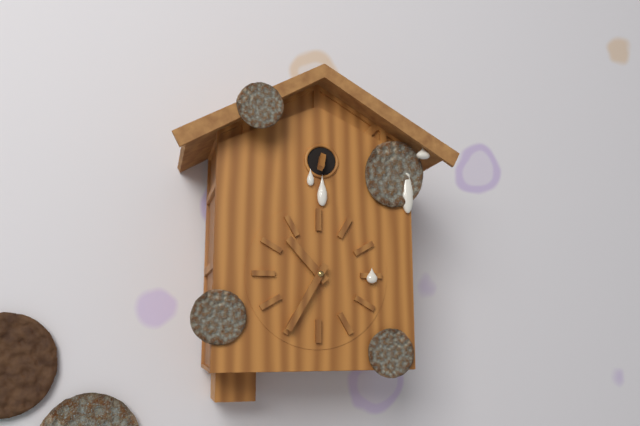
{"hour": 10, "minute": 35}
